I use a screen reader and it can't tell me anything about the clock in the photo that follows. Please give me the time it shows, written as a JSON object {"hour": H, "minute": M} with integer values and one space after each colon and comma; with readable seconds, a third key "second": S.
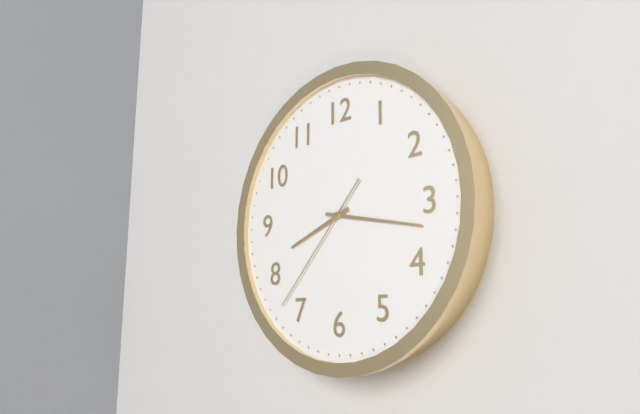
{"hour": 8, "minute": 17, "second": 37}
